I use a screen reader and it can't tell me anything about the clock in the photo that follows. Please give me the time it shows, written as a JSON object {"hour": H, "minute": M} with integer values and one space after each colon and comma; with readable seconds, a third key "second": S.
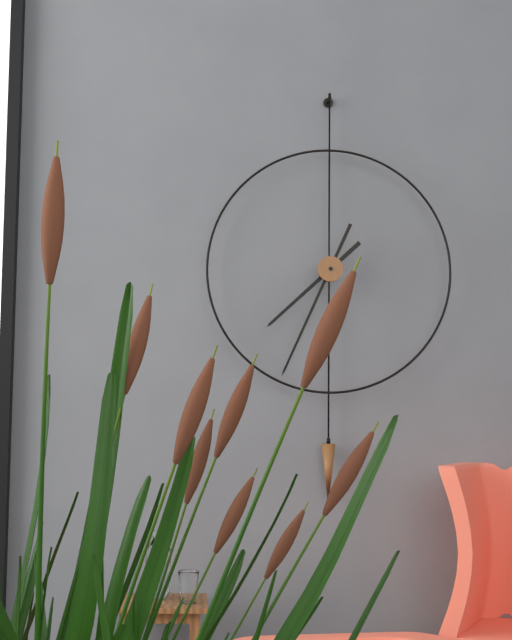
{"hour": 7, "minute": 34}
